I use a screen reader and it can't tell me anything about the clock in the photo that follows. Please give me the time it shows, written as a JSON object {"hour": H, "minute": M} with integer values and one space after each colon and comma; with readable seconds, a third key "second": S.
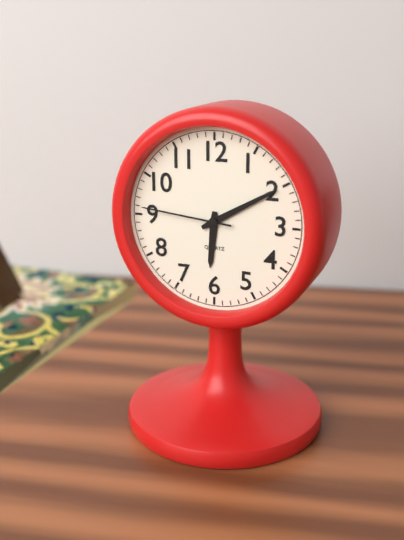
{"hour": 6, "minute": 10, "second": 46}
